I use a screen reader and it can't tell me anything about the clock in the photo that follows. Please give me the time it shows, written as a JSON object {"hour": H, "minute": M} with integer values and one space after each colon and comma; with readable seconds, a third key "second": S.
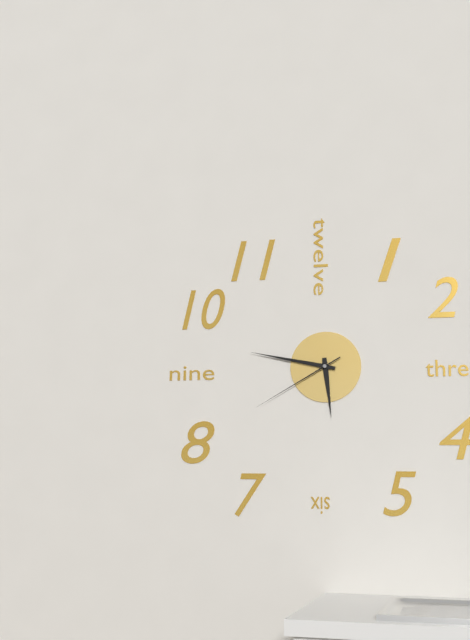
{"hour": 5, "minute": 47, "second": 40}
